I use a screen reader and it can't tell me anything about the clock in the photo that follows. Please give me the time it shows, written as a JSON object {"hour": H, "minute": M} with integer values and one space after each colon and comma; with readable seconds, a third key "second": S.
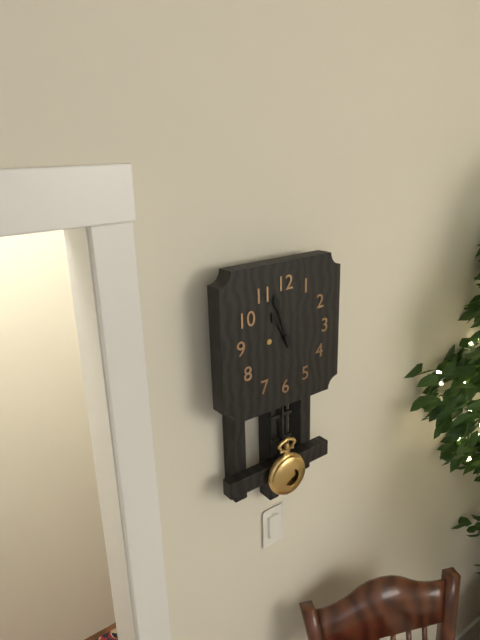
{"hour": 10, "minute": 57}
